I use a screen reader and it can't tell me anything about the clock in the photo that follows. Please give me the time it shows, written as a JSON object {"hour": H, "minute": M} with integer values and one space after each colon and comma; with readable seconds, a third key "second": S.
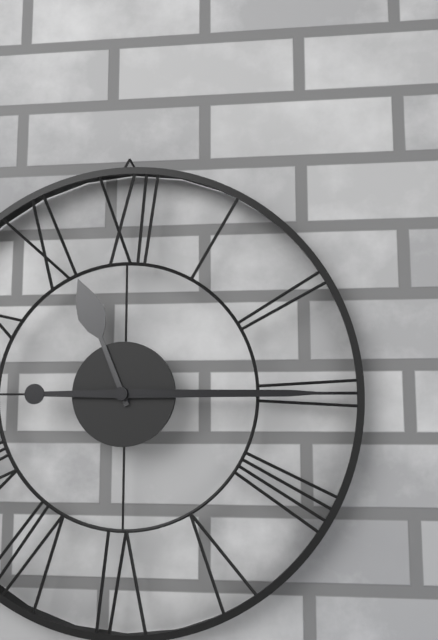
{"hour": 11, "minute": 15}
